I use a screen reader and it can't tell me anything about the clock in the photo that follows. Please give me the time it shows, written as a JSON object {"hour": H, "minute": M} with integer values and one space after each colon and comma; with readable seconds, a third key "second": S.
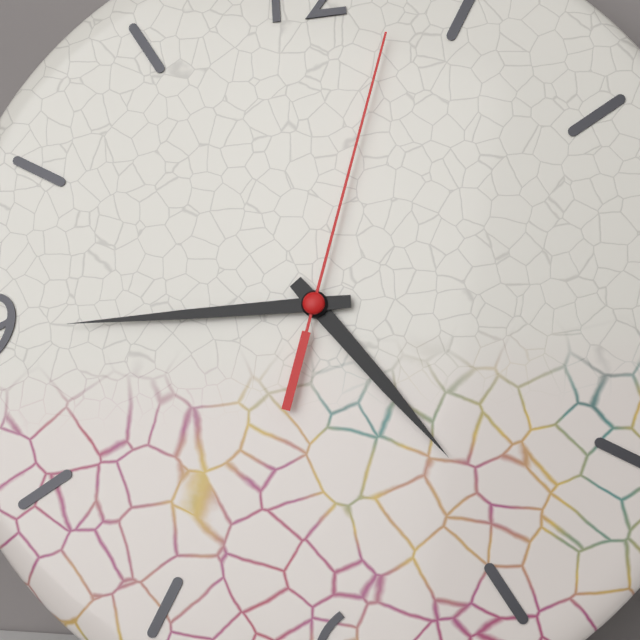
{"hour": 4, "minute": 45, "second": 3}
